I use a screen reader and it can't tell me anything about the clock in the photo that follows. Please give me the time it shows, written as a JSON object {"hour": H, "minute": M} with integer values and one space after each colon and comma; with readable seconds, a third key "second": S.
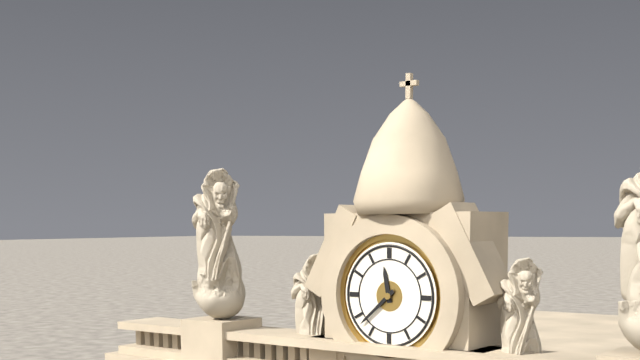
{"hour": 11, "minute": 38}
